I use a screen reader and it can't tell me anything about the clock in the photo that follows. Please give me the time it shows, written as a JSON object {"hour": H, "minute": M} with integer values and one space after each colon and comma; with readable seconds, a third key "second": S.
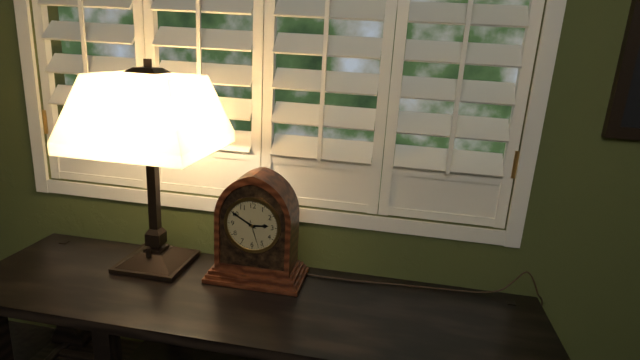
{"hour": 2, "minute": 50}
